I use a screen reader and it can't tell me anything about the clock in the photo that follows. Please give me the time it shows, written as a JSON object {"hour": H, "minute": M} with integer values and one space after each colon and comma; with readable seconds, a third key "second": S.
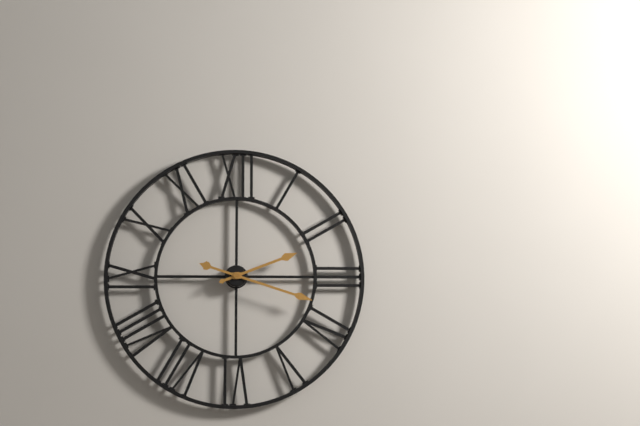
{"hour": 2, "minute": 18}
